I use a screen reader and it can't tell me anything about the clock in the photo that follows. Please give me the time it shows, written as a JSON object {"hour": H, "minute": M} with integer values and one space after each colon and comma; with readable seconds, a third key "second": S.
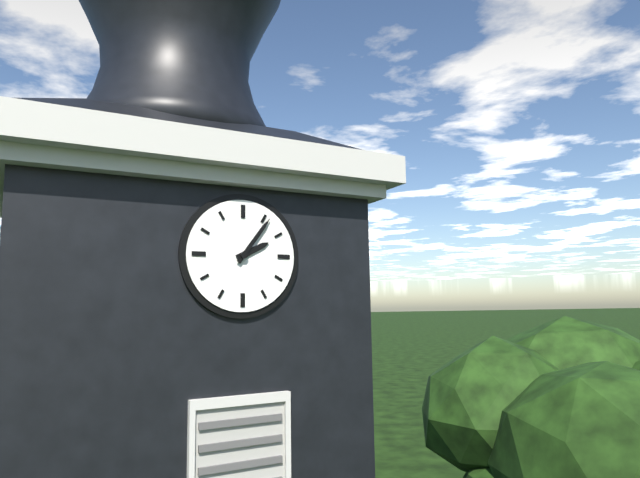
{"hour": 2, "minute": 6}
